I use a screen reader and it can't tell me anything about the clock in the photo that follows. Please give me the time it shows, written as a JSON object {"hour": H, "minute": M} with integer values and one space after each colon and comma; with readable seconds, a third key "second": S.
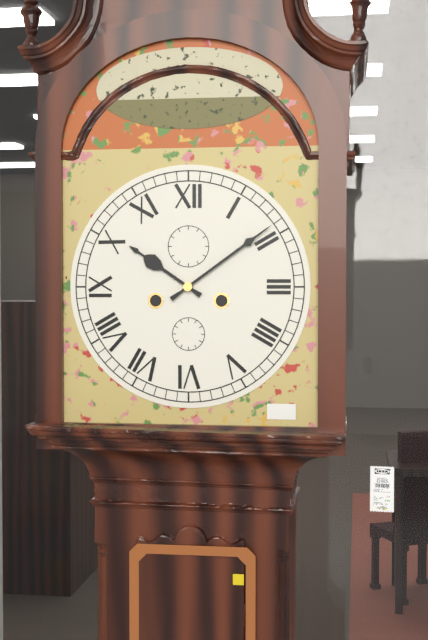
{"hour": 10, "minute": 9}
